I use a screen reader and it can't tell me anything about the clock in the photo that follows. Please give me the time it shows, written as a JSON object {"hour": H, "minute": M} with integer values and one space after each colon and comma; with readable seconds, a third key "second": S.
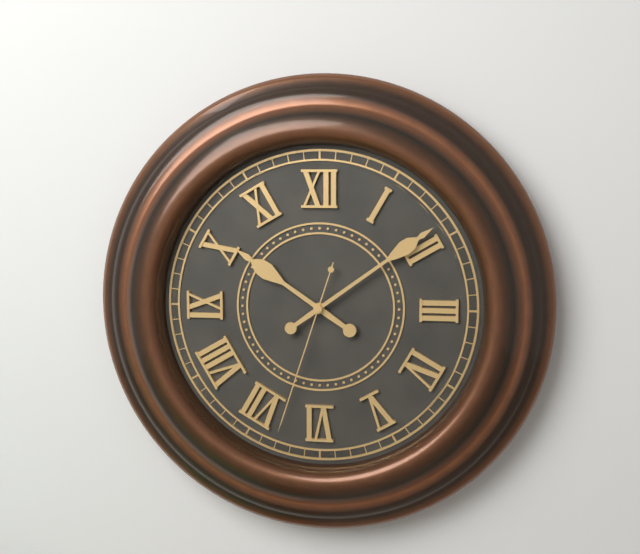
{"hour": 10, "minute": 9, "second": 33}
